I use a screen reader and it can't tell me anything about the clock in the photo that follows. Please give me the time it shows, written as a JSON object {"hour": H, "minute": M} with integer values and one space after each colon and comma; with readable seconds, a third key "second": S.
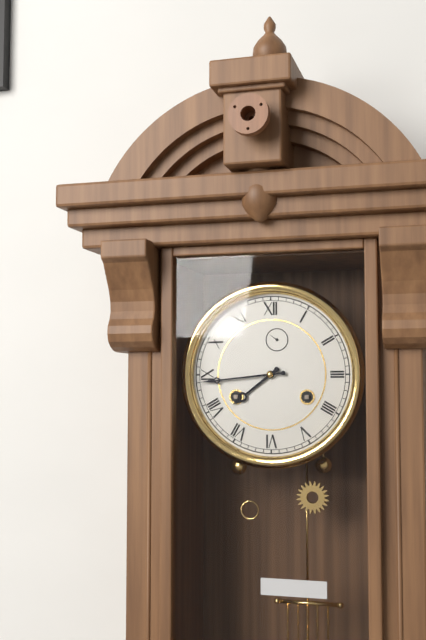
{"hour": 7, "minute": 44}
